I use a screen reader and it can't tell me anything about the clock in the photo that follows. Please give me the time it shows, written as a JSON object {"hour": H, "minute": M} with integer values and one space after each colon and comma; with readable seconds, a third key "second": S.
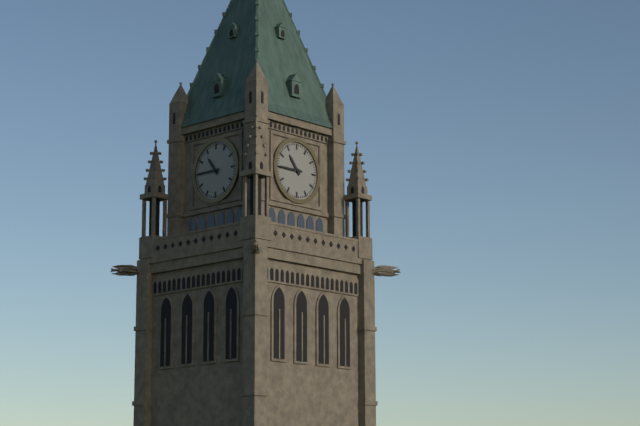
{"hour": 10, "minute": 45}
